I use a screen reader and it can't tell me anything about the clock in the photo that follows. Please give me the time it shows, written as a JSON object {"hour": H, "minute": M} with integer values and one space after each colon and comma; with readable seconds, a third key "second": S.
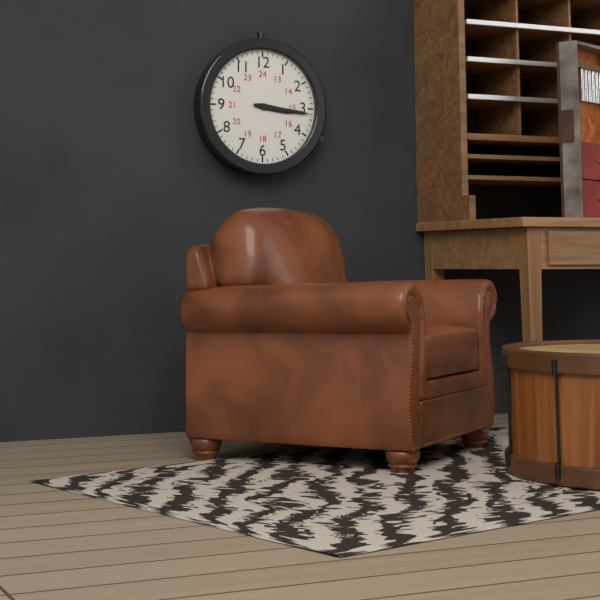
{"hour": 3, "minute": 16}
